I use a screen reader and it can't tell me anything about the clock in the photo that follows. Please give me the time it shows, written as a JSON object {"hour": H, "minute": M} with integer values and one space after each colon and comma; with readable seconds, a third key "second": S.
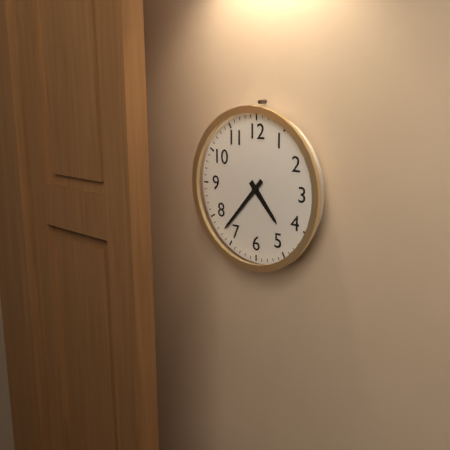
{"hour": 4, "minute": 37}
